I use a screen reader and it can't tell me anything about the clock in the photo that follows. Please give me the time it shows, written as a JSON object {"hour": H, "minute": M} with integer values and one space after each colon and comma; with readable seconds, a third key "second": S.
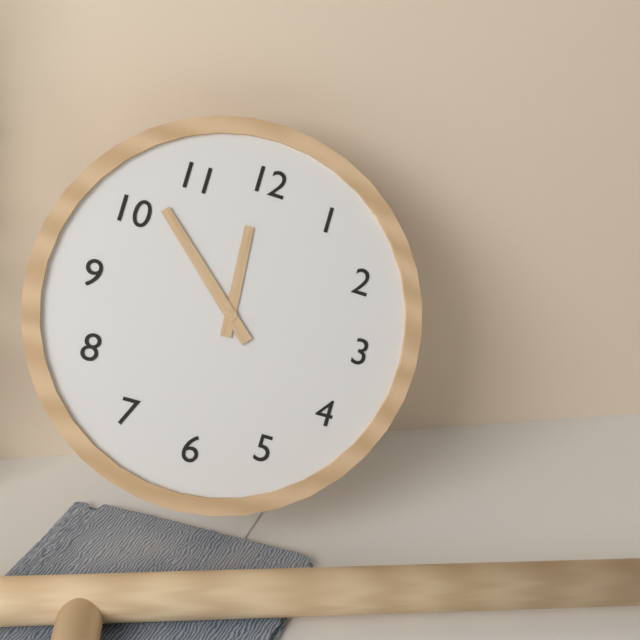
{"hour": 11, "minute": 52}
